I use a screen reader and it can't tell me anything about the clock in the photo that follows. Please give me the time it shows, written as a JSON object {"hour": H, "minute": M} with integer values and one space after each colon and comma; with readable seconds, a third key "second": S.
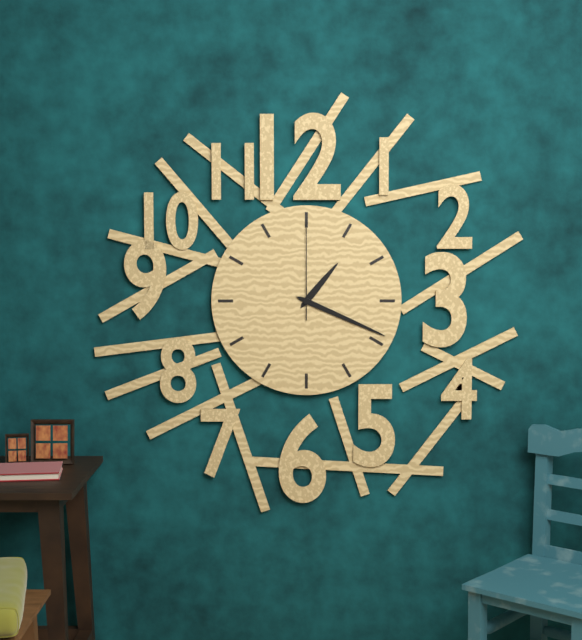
{"hour": 1, "minute": 19, "second": 0}
